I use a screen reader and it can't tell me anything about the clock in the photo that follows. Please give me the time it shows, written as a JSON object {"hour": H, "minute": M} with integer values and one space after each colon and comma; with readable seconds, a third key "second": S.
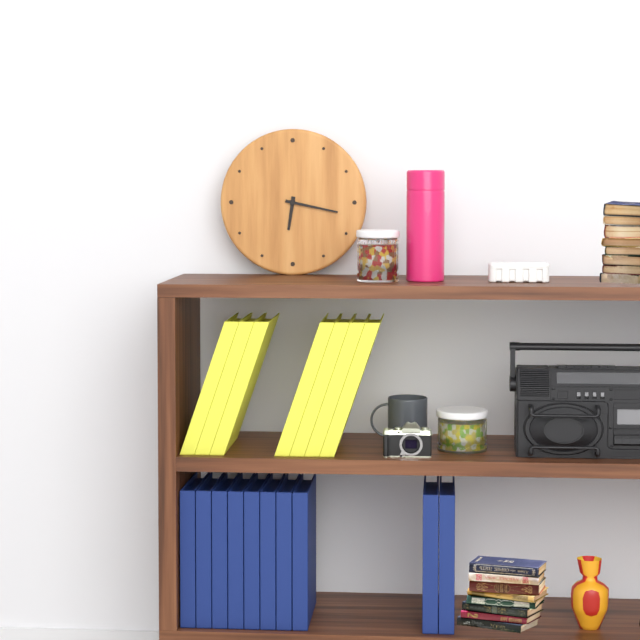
{"hour": 6, "minute": 17}
